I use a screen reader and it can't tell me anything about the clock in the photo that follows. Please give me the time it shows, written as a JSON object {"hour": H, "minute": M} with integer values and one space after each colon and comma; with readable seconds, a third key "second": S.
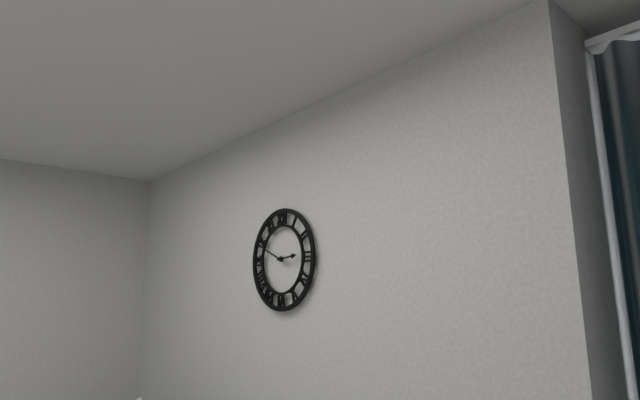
{"hour": 2, "minute": 49}
